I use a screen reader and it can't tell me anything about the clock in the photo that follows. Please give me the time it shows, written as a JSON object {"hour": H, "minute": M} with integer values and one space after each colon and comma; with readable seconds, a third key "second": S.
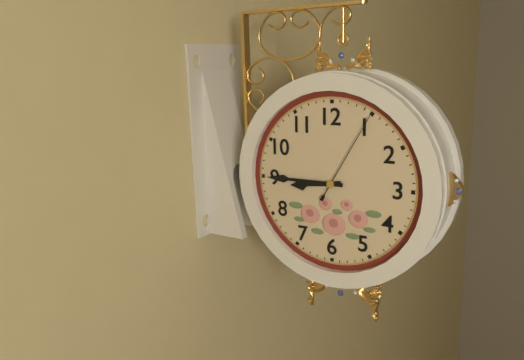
{"hour": 8, "minute": 45, "second": 5}
